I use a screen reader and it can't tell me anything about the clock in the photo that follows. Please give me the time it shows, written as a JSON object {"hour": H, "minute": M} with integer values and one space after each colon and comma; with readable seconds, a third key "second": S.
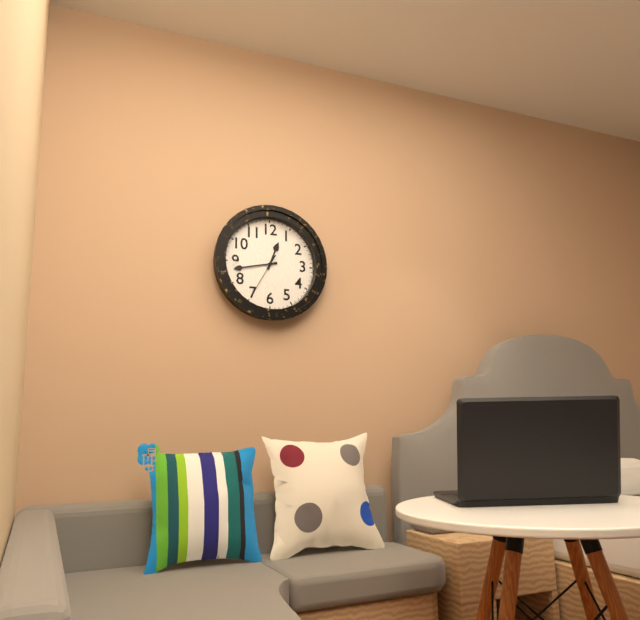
{"hour": 12, "minute": 43}
